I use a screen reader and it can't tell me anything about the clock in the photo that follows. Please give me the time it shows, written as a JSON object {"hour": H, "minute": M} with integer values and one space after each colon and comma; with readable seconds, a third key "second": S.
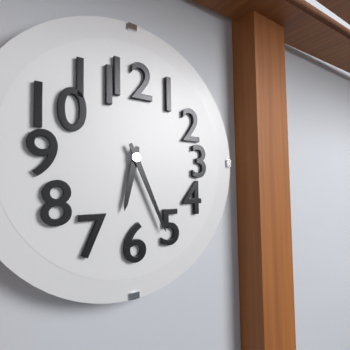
{"hour": 6, "minute": 26}
